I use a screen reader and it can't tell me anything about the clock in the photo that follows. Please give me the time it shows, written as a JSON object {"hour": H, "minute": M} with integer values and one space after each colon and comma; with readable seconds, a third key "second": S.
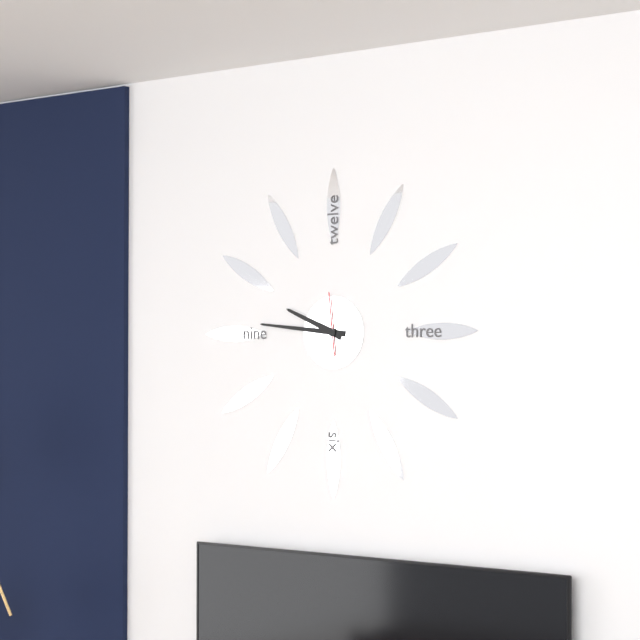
{"hour": 9, "minute": 46, "second": 59}
